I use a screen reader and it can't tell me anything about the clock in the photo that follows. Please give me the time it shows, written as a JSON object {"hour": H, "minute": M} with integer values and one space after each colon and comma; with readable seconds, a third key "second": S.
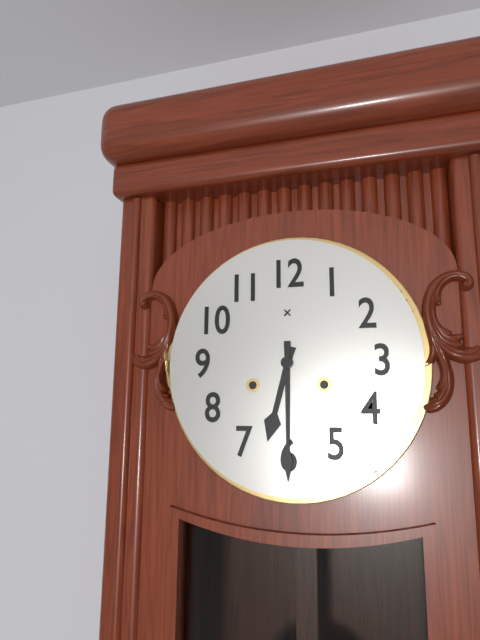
{"hour": 6, "minute": 30}
